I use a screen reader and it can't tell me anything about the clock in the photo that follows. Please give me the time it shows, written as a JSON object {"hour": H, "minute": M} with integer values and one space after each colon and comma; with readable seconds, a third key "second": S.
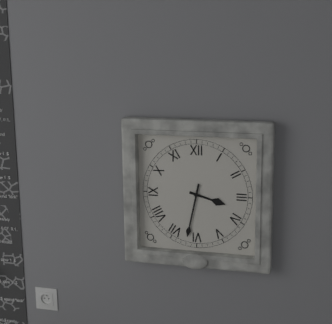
{"hour": 3, "minute": 32}
